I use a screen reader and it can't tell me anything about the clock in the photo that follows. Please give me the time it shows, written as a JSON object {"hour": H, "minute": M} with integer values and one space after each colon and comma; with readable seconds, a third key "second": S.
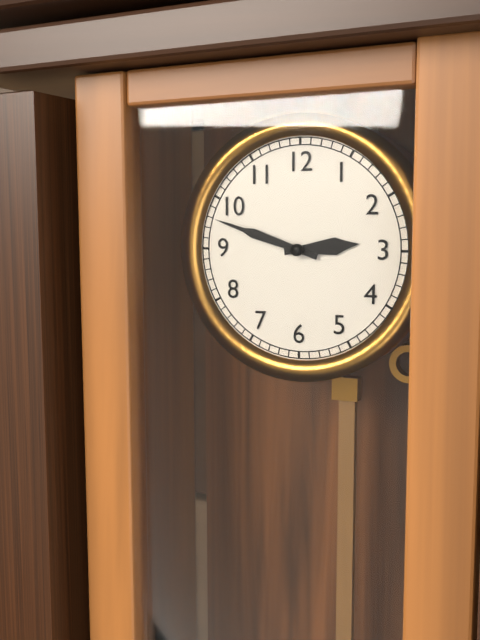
{"hour": 2, "minute": 48}
